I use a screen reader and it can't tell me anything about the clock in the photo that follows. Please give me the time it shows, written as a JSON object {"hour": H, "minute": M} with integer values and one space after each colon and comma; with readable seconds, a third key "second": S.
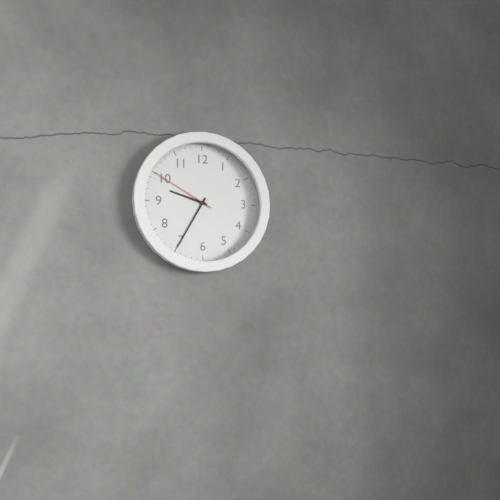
{"hour": 9, "minute": 35, "second": 50}
